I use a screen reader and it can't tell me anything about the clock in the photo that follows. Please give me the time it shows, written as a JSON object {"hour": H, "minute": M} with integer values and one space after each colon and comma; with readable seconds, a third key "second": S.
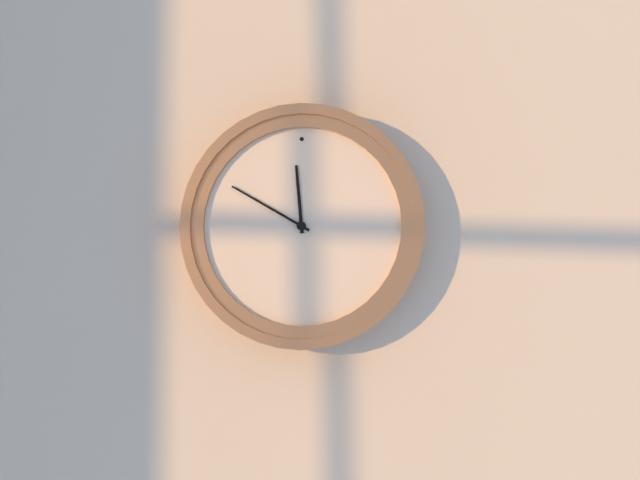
{"hour": 11, "minute": 50}
